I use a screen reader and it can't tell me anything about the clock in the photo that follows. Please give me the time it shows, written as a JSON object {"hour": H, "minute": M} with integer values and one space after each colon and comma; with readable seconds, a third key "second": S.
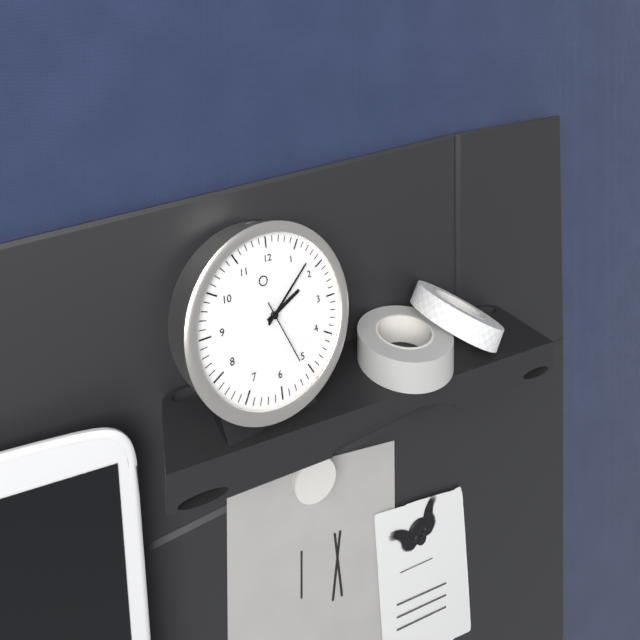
{"hour": 2, "minute": 8, "second": 26}
